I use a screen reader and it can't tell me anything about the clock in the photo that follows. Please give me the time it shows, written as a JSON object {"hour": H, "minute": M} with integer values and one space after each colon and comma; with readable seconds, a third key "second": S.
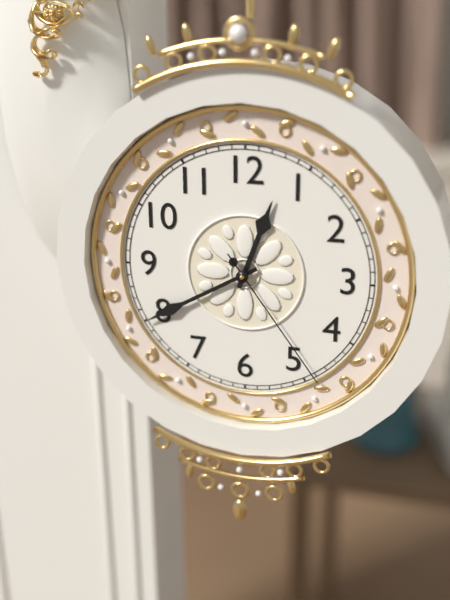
{"hour": 12, "minute": 40, "second": 24}
